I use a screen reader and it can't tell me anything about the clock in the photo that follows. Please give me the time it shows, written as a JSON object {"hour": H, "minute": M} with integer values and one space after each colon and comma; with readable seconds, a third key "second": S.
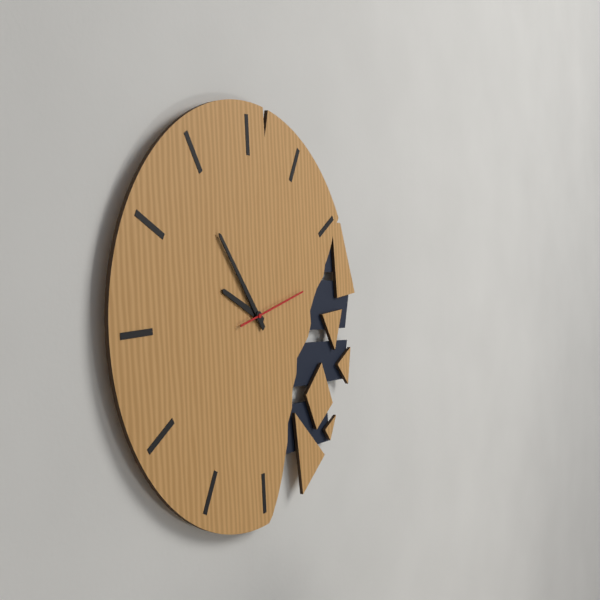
{"hour": 9, "minute": 54, "second": 13}
